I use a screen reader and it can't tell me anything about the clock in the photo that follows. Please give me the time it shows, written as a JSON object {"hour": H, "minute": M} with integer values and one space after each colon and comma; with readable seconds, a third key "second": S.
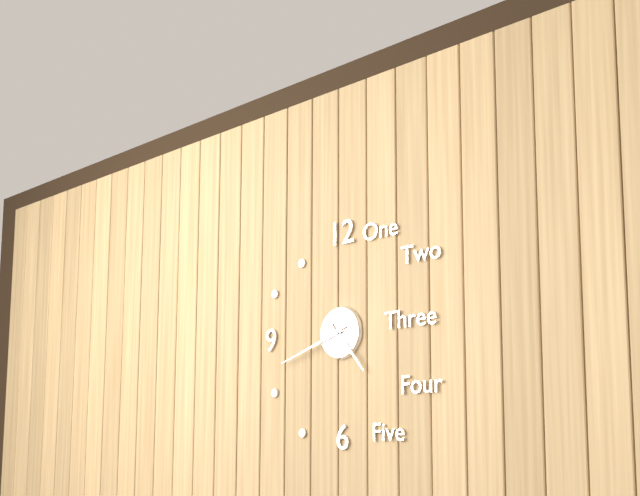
{"hour": 4, "minute": 42}
